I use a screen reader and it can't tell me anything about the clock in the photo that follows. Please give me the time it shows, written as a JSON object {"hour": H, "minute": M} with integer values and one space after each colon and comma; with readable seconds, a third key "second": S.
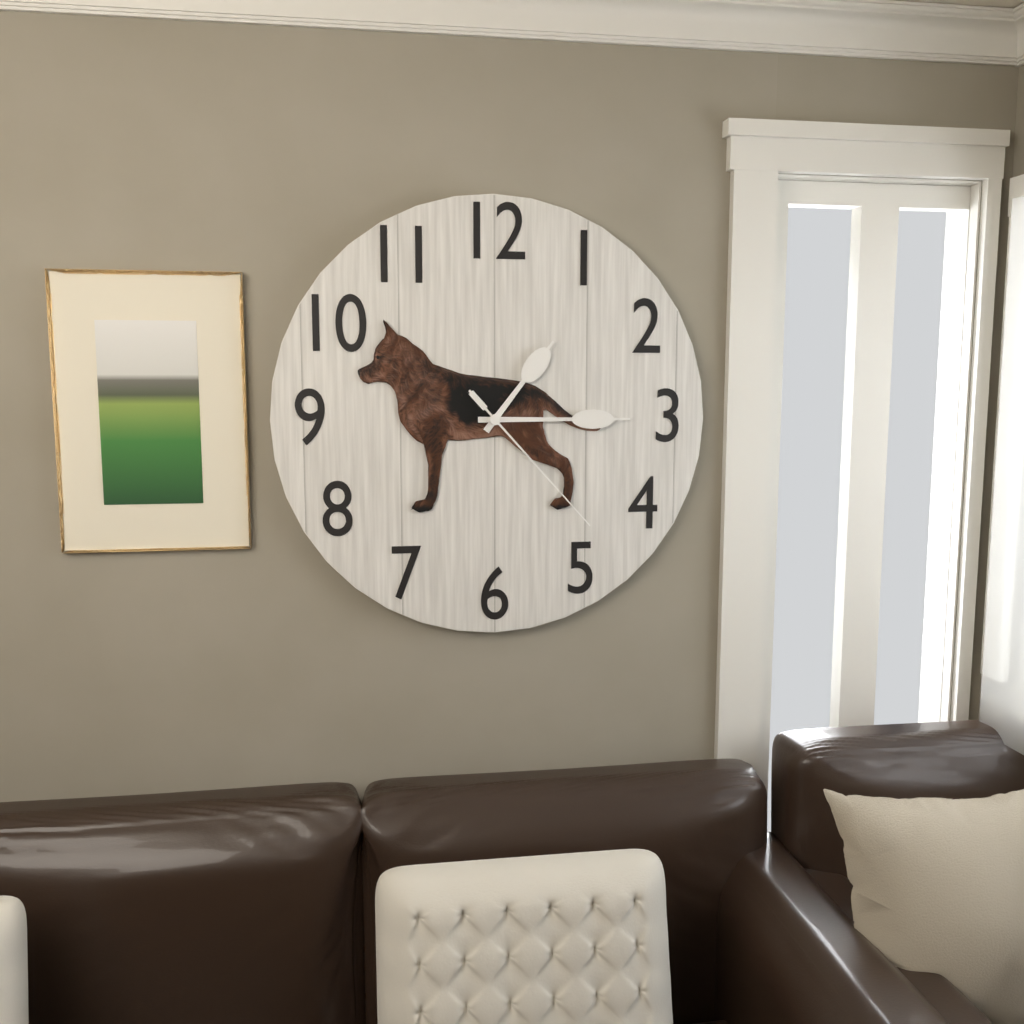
{"hour": 1, "minute": 15, "second": 23}
